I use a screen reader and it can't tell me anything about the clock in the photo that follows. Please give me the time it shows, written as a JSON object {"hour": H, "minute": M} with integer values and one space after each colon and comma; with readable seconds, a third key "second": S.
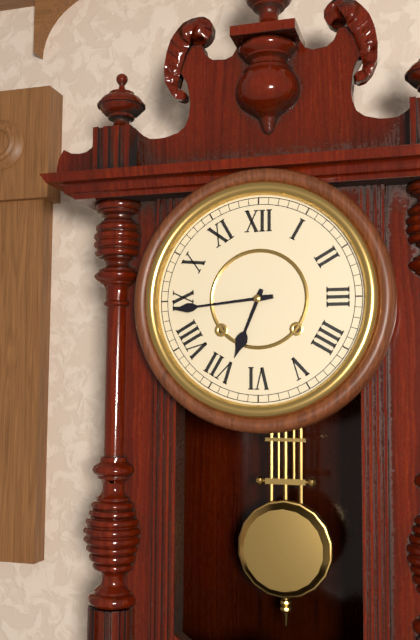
{"hour": 6, "minute": 44}
